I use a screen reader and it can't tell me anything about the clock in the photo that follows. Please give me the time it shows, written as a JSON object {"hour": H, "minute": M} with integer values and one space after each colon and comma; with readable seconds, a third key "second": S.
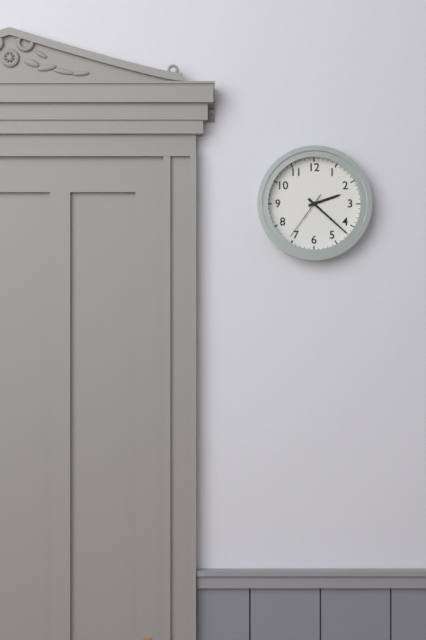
{"hour": 2, "minute": 22, "second": 36}
